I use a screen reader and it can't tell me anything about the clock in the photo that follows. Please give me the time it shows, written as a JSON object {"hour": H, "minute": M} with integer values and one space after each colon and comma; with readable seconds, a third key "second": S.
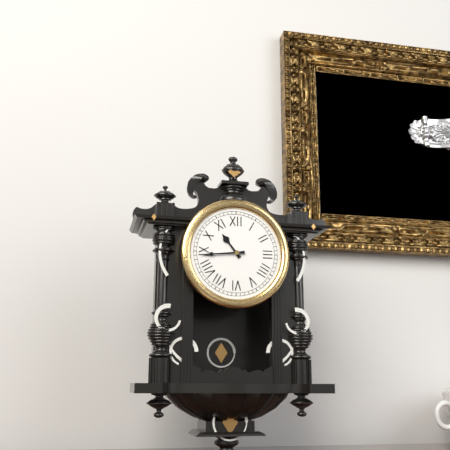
{"hour": 10, "minute": 44}
